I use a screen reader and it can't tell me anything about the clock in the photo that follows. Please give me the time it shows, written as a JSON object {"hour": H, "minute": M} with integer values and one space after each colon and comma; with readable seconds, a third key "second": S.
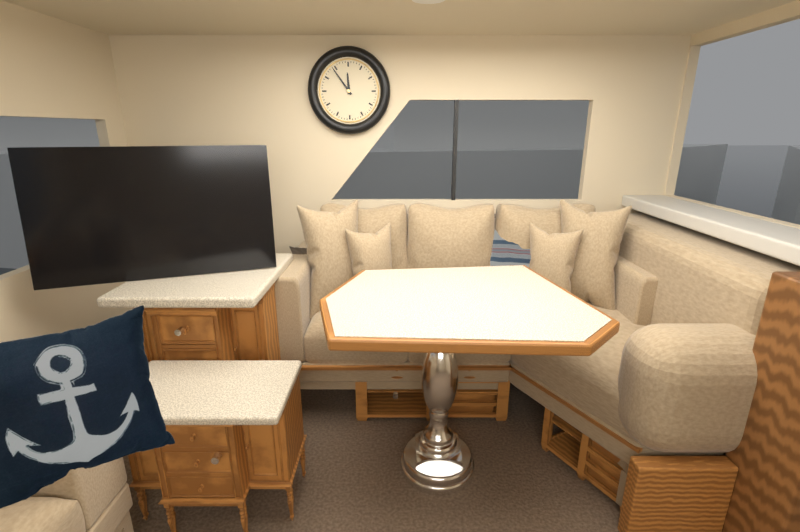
{"hour": 11, "minute": 54}
